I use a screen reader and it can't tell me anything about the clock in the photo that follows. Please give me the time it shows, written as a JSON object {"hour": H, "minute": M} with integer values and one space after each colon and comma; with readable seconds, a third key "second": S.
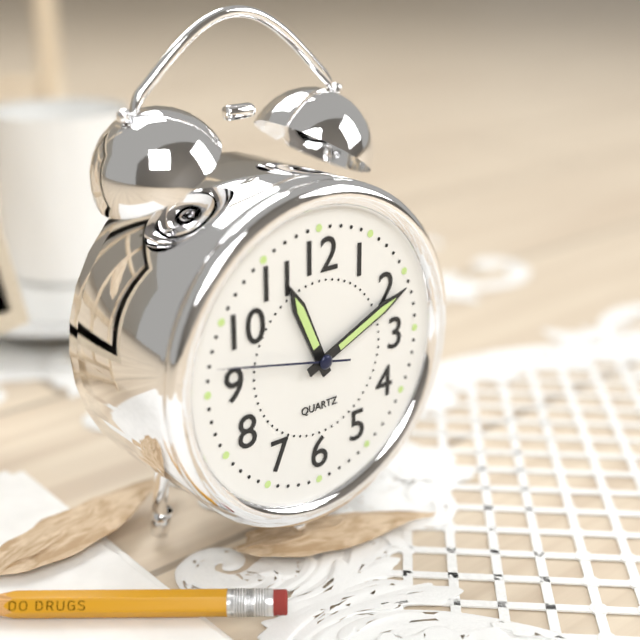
{"hour": 11, "minute": 11, "second": 47}
